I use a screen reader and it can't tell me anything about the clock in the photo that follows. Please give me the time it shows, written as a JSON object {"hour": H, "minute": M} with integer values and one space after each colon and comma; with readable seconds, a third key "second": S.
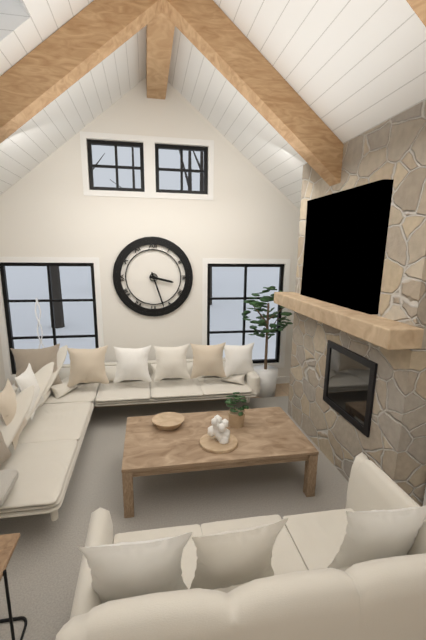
{"hour": 3, "minute": 27}
